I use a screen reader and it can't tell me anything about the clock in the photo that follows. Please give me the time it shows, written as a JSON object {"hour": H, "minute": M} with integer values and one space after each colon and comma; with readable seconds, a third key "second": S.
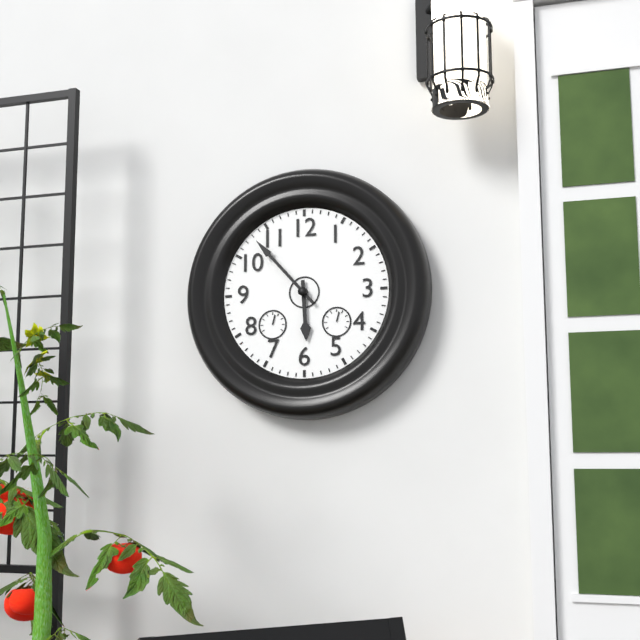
{"hour": 5, "minute": 53}
